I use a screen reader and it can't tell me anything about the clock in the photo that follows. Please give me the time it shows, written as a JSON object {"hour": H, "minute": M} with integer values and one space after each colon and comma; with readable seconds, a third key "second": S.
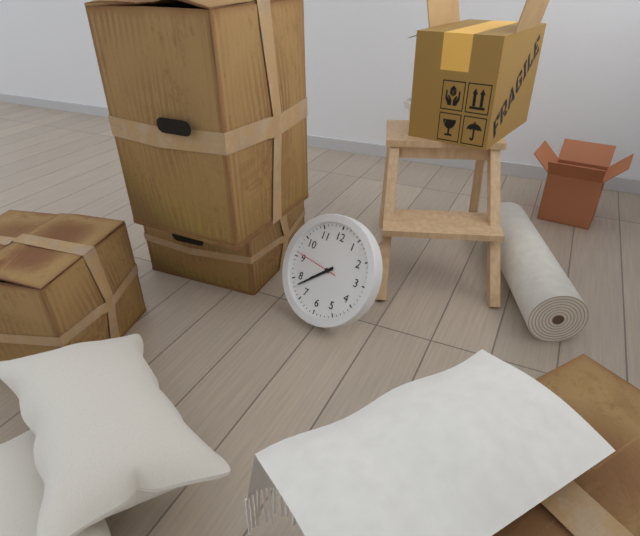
{"hour": 7, "minute": 38}
